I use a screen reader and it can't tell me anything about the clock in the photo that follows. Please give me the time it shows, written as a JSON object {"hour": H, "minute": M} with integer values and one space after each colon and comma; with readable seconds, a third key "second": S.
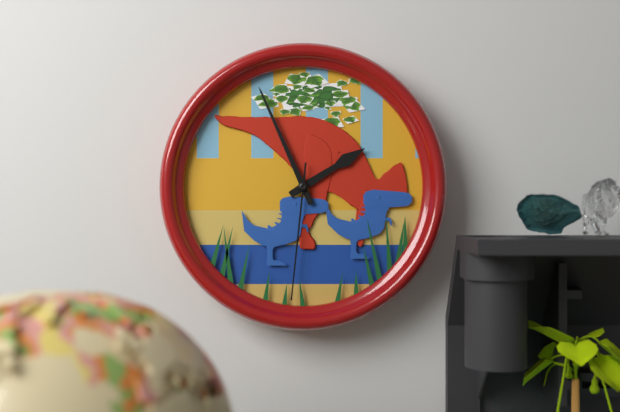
{"hour": 1, "minute": 56, "second": 31}
